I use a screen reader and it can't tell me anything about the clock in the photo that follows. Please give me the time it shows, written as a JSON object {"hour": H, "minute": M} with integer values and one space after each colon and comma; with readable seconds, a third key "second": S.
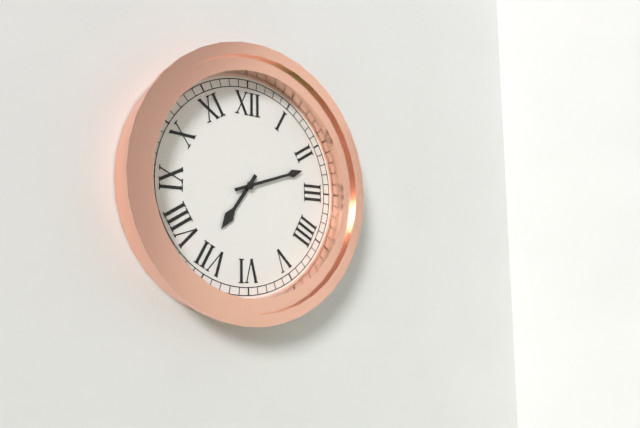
{"hour": 7, "minute": 12}
